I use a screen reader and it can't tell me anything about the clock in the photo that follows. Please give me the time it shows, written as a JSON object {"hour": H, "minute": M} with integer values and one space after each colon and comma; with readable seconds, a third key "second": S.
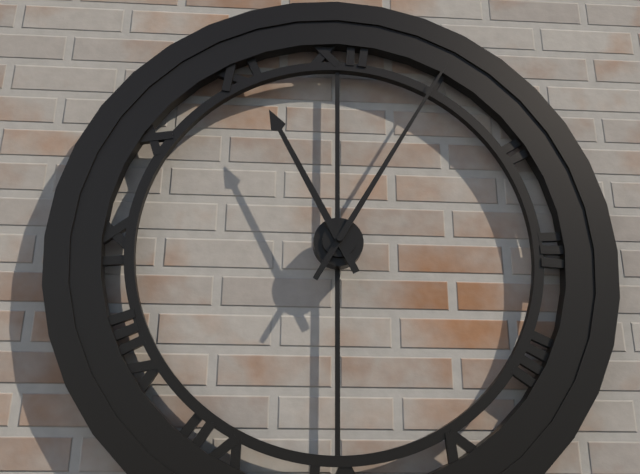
{"hour": 11, "minute": 5}
